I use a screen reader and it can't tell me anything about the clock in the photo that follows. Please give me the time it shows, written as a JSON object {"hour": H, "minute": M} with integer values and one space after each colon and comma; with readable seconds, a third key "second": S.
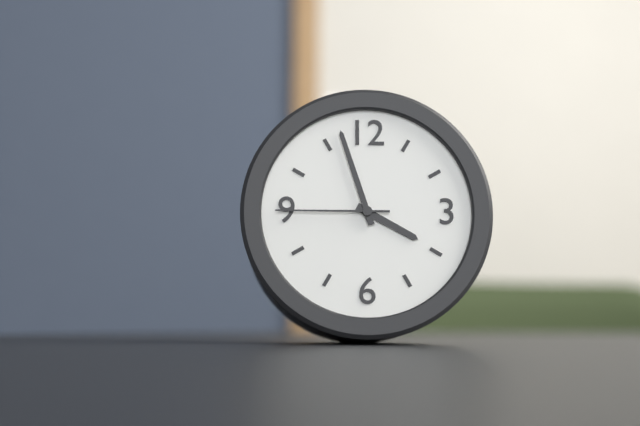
{"hour": 3, "minute": 57, "second": 45}
